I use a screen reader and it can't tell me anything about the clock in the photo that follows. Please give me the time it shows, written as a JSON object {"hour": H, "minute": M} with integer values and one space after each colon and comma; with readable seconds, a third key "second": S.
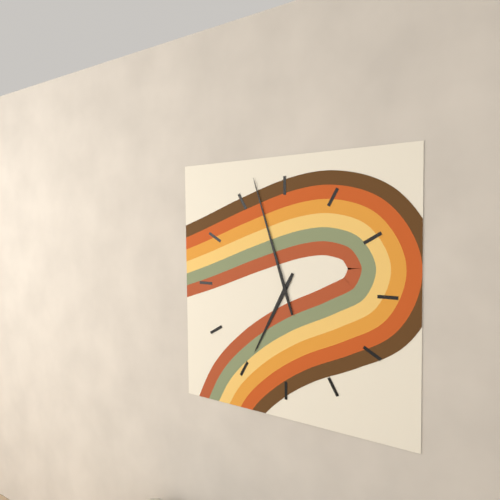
{"hour": 6, "minute": 57}
